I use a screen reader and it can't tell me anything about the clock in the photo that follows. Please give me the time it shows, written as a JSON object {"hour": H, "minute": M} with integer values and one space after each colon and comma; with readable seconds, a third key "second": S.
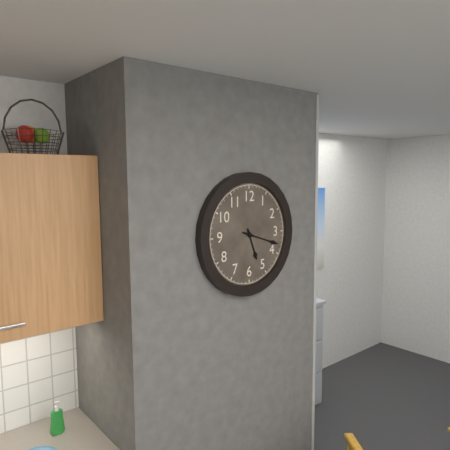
{"hour": 5, "minute": 18}
